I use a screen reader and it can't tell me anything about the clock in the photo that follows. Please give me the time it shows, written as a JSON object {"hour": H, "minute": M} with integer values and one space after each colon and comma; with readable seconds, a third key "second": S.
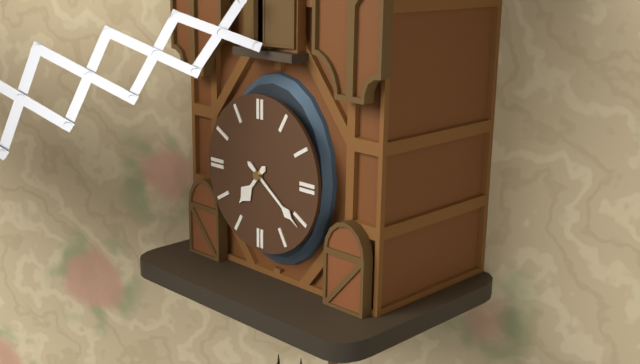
{"hour": 7, "minute": 21}
